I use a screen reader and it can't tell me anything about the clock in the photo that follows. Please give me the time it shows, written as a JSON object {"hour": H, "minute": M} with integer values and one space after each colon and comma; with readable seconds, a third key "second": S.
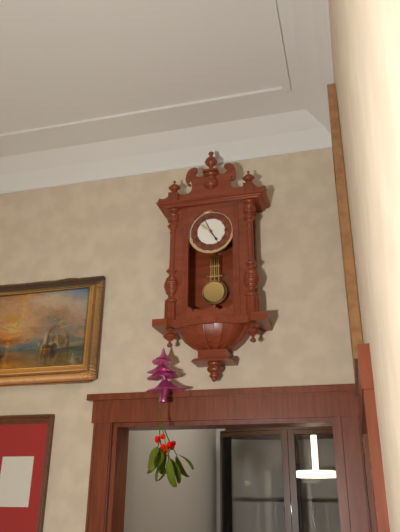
{"hour": 4, "minute": 56}
